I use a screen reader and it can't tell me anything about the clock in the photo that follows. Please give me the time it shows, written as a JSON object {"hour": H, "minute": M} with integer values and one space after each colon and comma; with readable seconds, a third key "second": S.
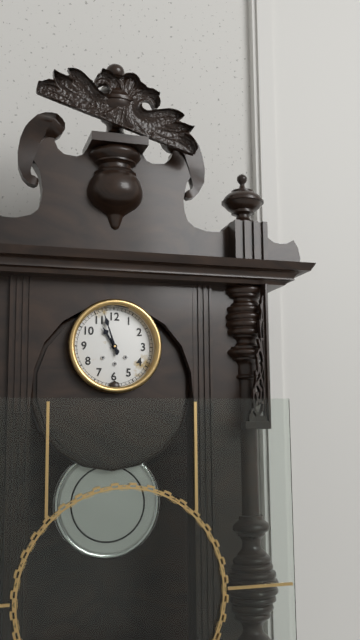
{"hour": 10, "minute": 57}
